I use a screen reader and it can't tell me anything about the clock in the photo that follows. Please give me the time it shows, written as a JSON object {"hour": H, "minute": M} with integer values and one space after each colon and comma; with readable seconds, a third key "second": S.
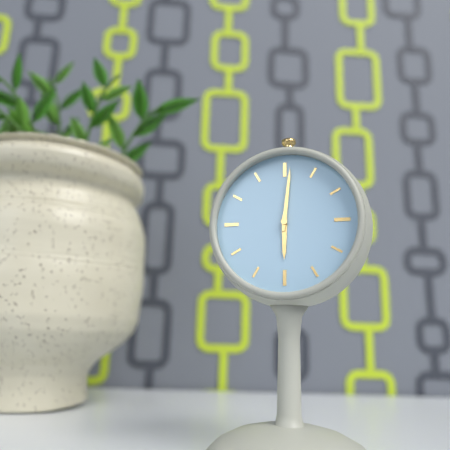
{"hour": 6, "minute": 1}
